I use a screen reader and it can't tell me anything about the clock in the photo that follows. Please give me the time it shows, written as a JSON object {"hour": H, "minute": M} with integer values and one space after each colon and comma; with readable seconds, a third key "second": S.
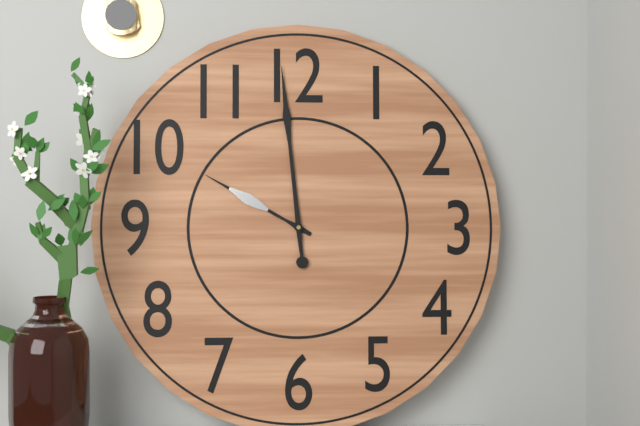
{"hour": 9, "minute": 59}
